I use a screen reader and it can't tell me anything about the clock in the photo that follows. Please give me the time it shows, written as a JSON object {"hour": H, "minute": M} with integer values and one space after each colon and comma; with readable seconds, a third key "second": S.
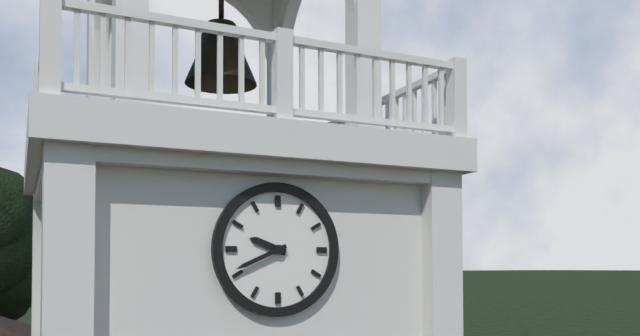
{"hour": 9, "minute": 41}
